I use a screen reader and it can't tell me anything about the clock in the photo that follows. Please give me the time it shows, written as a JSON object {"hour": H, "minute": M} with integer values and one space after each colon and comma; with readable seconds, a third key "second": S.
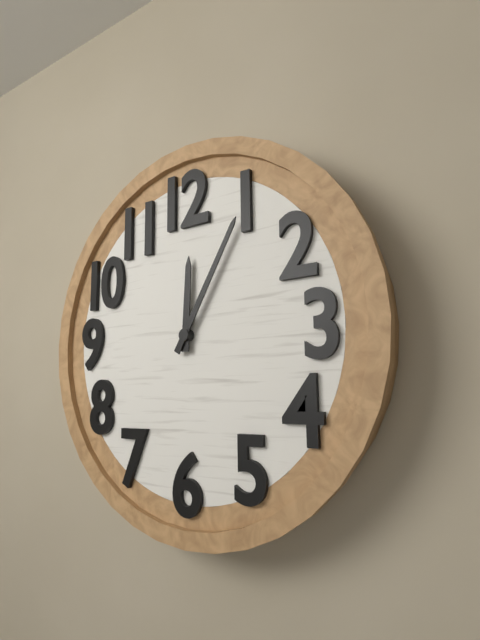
{"hour": 12, "minute": 5}
